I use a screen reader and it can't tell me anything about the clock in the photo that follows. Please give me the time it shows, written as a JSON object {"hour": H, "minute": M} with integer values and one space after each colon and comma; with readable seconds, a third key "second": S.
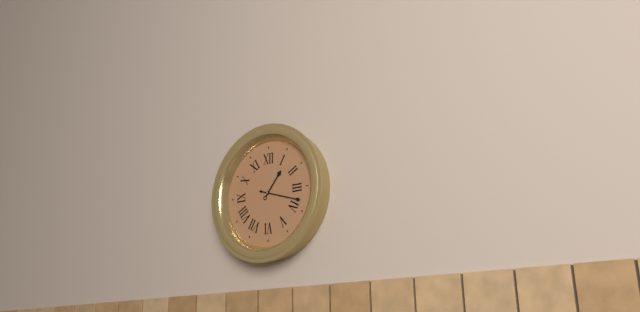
{"hour": 1, "minute": 18}
